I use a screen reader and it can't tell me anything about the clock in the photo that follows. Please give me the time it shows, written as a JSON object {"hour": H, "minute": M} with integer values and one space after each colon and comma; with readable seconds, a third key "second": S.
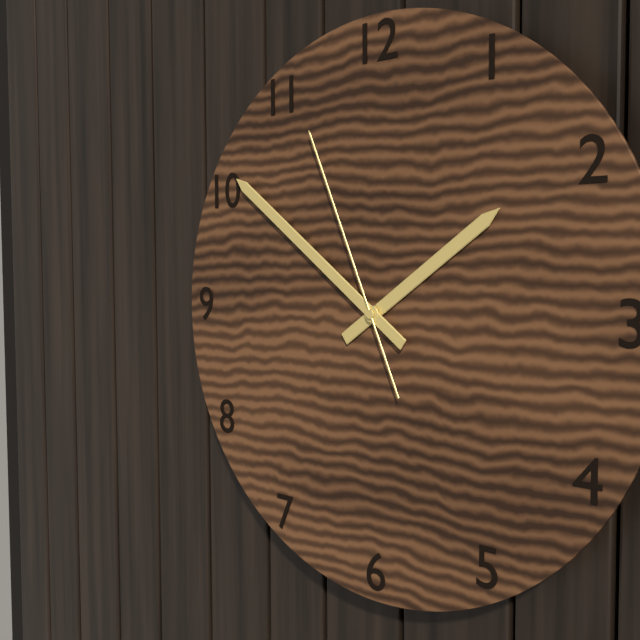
{"hour": 1, "minute": 51, "second": 56}
